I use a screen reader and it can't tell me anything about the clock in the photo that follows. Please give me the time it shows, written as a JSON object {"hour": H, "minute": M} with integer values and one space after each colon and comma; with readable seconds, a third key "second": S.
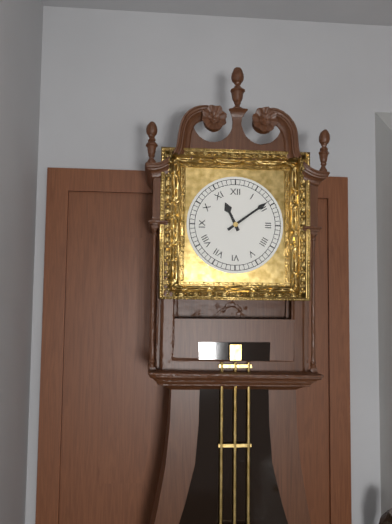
{"hour": 11, "minute": 9}
